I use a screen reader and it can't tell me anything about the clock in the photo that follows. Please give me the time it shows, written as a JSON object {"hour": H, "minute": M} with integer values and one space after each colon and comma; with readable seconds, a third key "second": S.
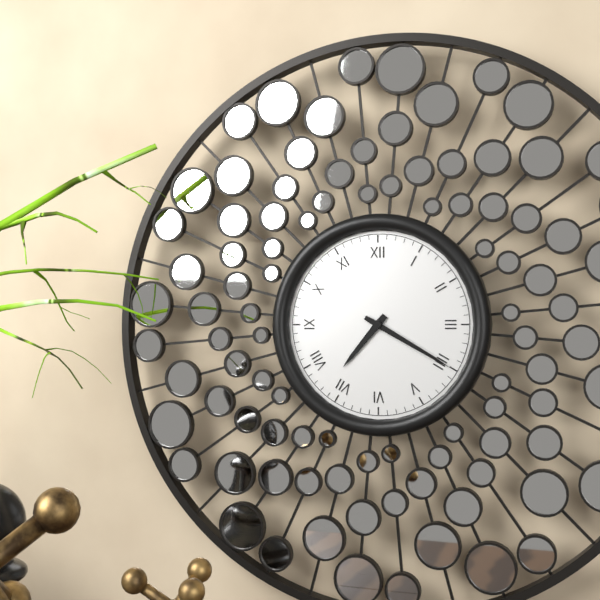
{"hour": 7, "minute": 20}
